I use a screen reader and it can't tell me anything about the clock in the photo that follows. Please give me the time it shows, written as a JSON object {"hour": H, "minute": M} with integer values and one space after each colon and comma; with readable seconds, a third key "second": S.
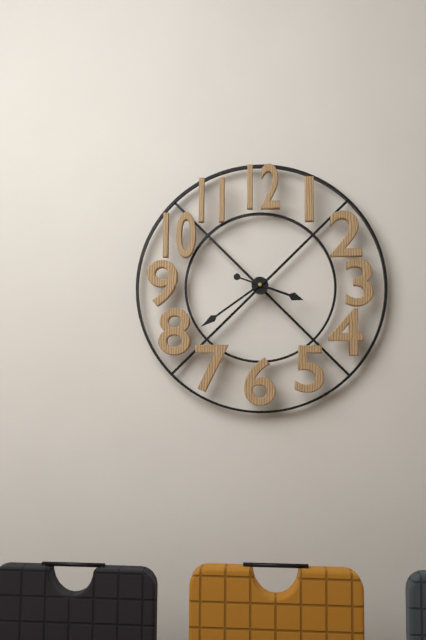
{"hour": 3, "minute": 39}
